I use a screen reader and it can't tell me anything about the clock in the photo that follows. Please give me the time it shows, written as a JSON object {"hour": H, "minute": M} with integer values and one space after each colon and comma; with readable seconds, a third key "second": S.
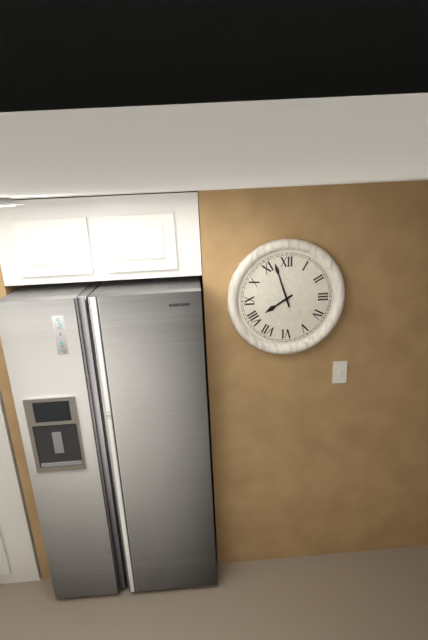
{"hour": 7, "minute": 57}
